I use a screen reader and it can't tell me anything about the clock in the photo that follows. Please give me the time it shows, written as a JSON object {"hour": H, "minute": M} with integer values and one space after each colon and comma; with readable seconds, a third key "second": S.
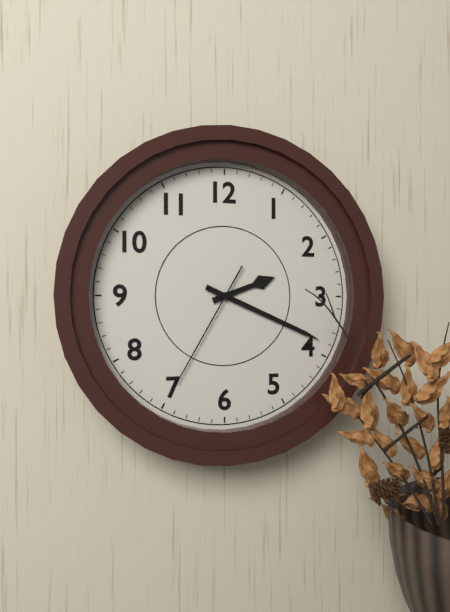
{"hour": 2, "minute": 19, "second": 35}
